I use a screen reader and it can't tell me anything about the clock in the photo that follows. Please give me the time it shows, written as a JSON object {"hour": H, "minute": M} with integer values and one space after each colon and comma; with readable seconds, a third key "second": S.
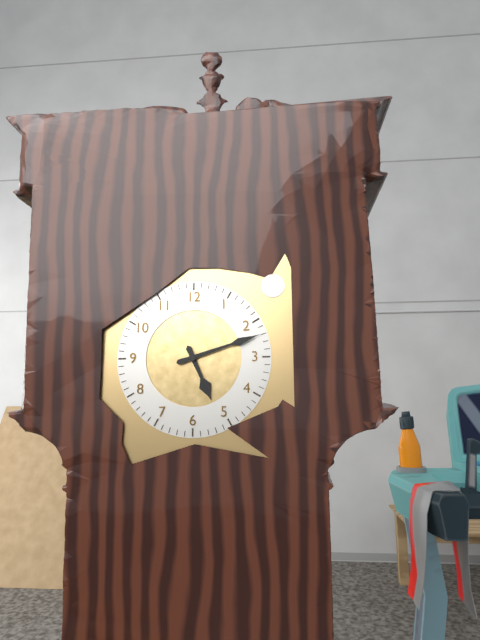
{"hour": 5, "minute": 12}
